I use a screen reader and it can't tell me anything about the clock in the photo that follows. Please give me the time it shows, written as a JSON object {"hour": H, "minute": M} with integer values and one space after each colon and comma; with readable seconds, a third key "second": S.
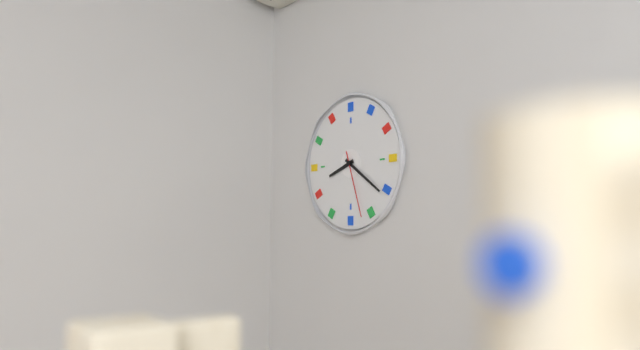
{"hour": 8, "minute": 21, "second": 27}
